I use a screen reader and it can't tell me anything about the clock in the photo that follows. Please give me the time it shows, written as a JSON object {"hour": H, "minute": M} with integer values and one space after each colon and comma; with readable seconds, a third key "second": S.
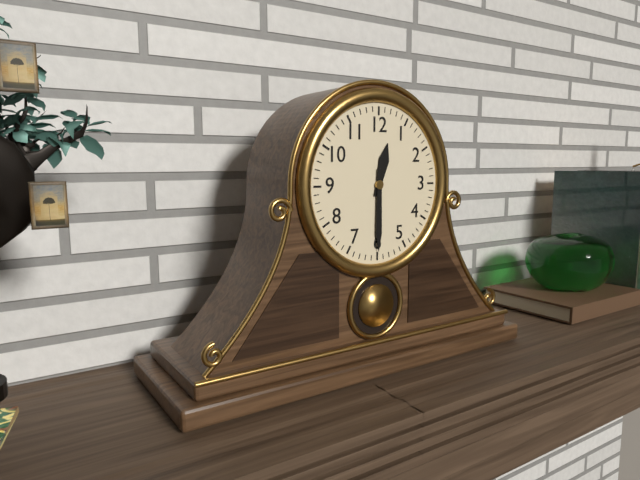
{"hour": 12, "minute": 30}
